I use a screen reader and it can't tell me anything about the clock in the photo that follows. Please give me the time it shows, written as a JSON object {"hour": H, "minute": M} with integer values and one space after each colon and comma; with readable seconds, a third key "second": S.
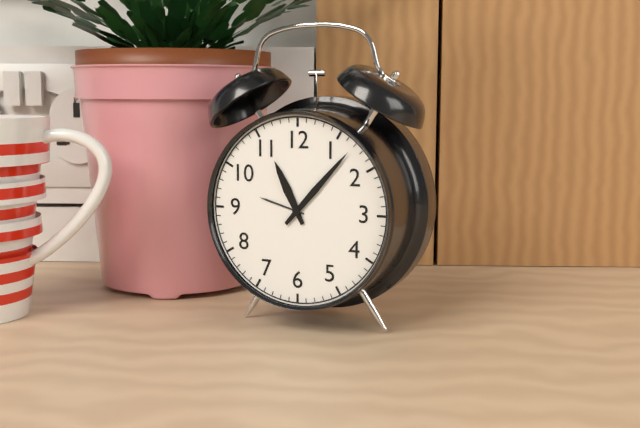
{"hour": 11, "minute": 7}
